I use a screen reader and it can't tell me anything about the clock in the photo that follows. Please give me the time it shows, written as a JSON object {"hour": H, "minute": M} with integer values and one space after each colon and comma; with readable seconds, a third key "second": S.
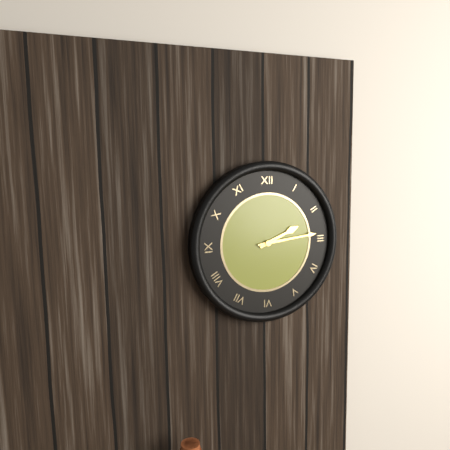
{"hour": 2, "minute": 14}
